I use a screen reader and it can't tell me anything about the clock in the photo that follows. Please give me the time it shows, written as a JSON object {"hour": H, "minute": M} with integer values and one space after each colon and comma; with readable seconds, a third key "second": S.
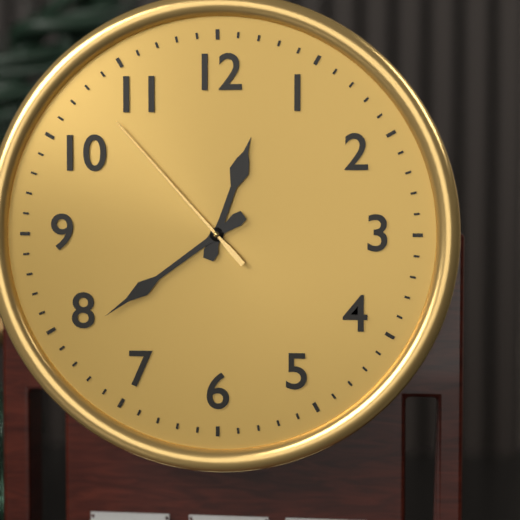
{"hour": 12, "minute": 39, "second": 53}
